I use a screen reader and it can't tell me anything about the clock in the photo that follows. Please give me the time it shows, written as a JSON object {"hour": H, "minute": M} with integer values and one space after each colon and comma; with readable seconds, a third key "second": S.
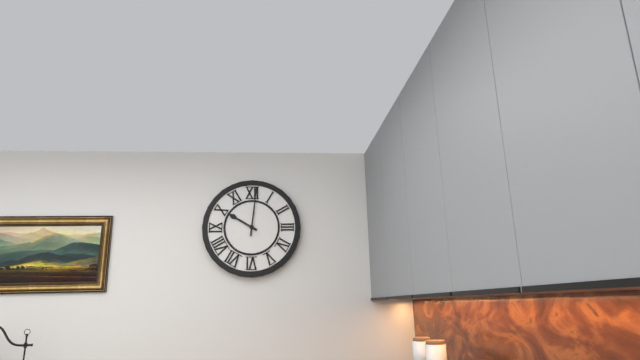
{"hour": 10, "minute": 1}
